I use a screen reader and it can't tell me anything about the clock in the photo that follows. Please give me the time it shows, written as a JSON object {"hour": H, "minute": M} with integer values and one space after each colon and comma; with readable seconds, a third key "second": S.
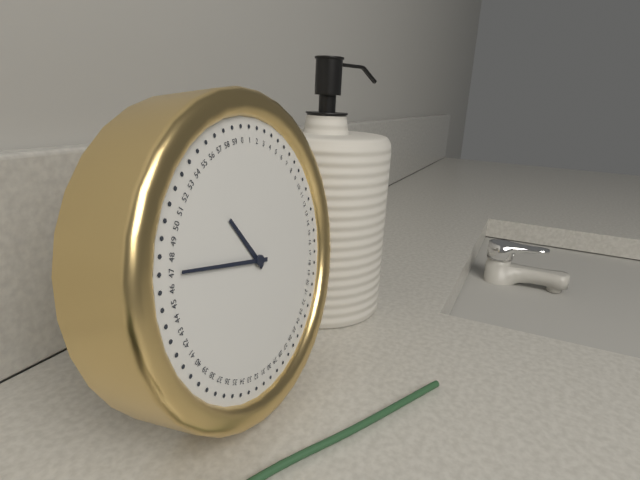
{"hour": 10, "minute": 47}
